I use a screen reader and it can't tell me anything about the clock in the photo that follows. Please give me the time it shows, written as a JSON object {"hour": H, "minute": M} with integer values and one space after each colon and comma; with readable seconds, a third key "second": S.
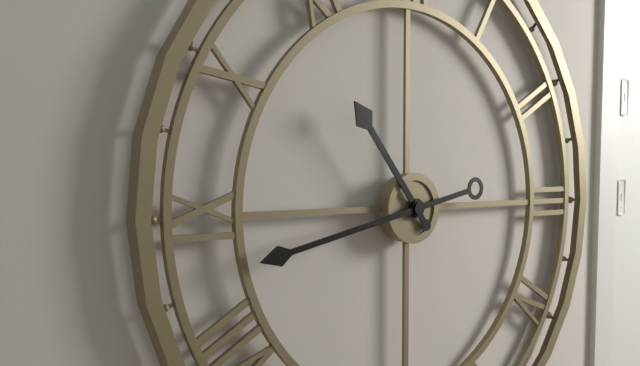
{"hour": 10, "minute": 43}
